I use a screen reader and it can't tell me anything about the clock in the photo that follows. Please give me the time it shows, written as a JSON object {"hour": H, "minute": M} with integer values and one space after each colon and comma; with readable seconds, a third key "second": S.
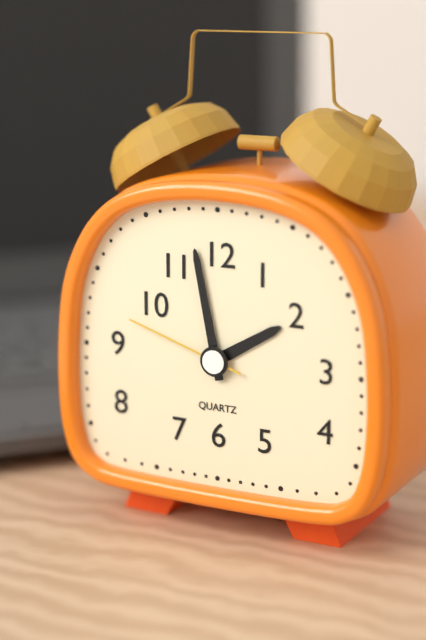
{"hour": 1, "minute": 58, "second": 48}
